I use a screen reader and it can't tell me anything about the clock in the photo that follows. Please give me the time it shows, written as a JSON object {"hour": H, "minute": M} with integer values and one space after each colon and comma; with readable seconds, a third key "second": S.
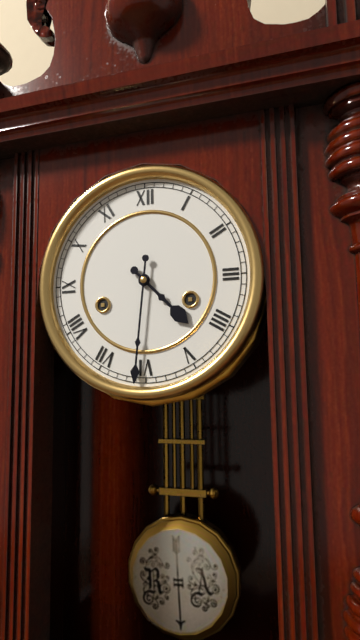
{"hour": 4, "minute": 31}
